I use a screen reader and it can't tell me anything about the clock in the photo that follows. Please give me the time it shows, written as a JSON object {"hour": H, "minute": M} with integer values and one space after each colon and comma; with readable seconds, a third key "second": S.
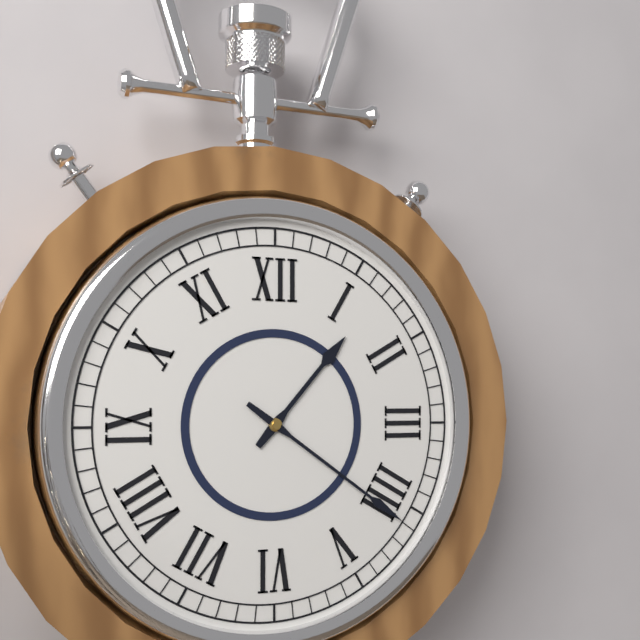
{"hour": 1, "minute": 21}
